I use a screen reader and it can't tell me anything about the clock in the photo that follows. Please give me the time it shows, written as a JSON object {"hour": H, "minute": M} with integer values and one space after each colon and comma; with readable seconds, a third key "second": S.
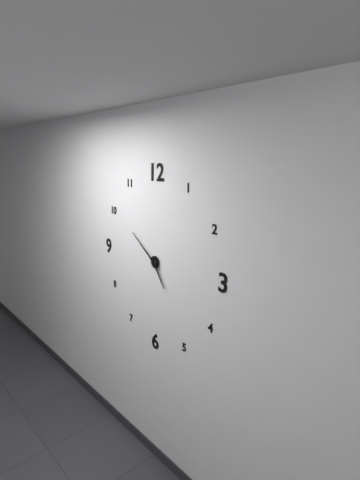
{"hour": 4, "minute": 51}
